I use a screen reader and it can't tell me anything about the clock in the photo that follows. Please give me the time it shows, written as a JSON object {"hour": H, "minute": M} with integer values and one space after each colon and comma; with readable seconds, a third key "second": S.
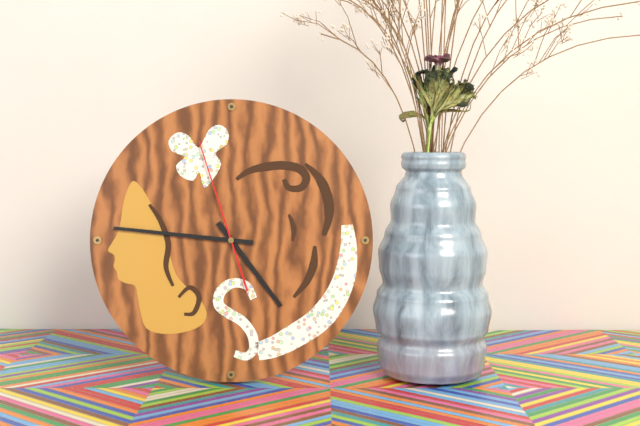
{"hour": 4, "minute": 46, "second": 57}
